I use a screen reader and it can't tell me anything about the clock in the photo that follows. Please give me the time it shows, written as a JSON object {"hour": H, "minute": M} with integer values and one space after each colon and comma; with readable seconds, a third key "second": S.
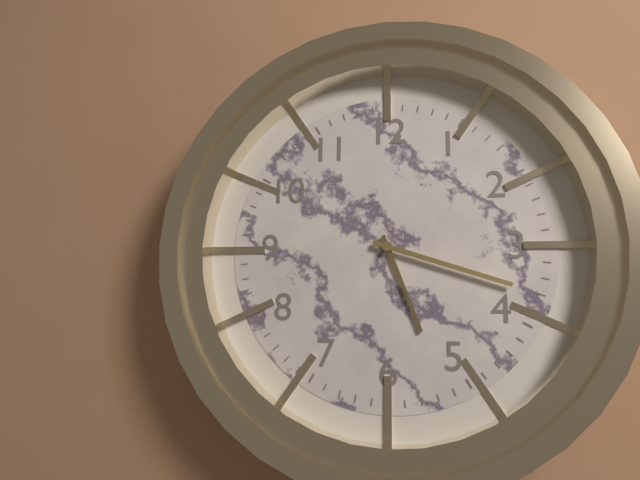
{"hour": 5, "minute": 18}
